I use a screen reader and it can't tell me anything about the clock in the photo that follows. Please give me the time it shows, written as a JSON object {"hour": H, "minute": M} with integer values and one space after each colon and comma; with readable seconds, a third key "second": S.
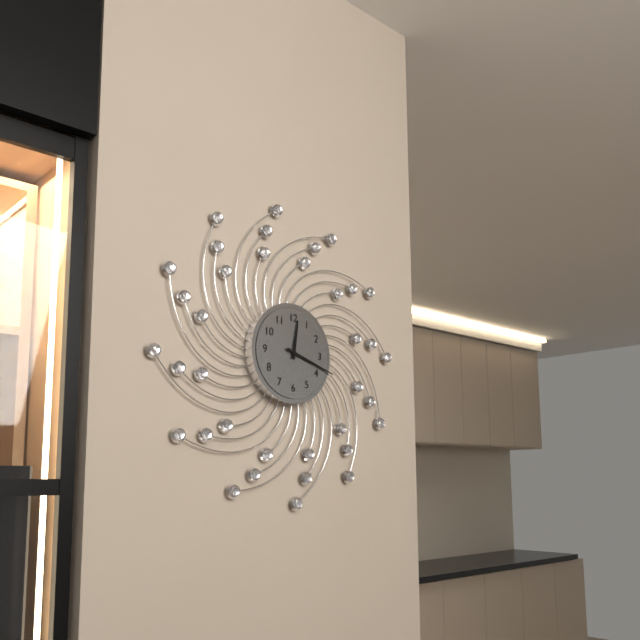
{"hour": 12, "minute": 18}
